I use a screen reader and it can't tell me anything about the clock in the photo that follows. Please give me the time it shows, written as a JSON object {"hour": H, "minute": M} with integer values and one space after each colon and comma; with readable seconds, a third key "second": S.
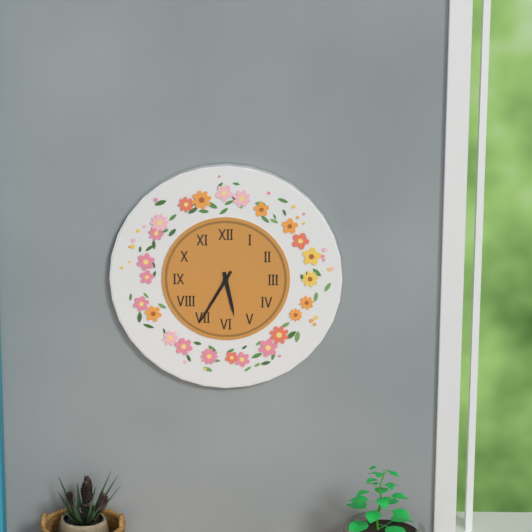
{"hour": 5, "minute": 35}
